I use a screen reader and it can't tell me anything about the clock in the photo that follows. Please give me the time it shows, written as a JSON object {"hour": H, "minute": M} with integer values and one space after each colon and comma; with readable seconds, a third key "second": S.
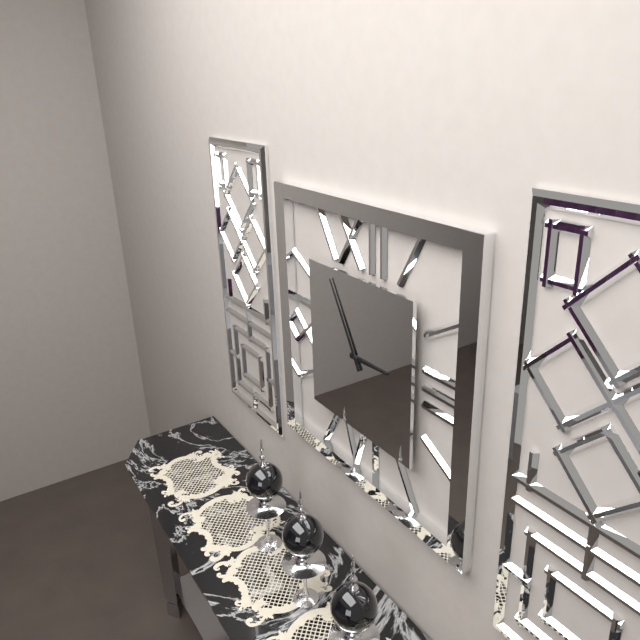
{"hour": 2, "minute": 55}
